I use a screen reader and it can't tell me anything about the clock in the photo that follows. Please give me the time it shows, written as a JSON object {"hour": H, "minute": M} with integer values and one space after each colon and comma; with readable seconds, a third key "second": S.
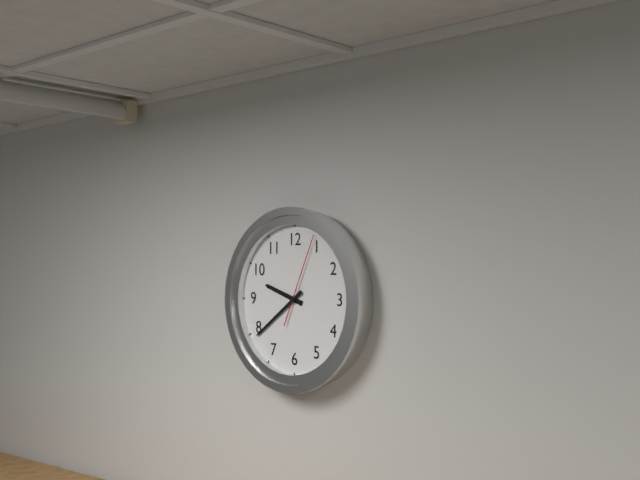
{"hour": 9, "minute": 39, "second": 4}
